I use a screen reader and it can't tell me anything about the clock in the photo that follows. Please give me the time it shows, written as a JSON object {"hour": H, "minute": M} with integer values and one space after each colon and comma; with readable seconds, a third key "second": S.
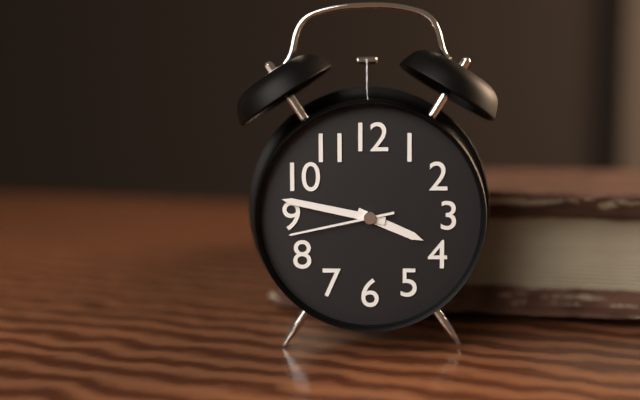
{"hour": 3, "minute": 47, "second": 43}
